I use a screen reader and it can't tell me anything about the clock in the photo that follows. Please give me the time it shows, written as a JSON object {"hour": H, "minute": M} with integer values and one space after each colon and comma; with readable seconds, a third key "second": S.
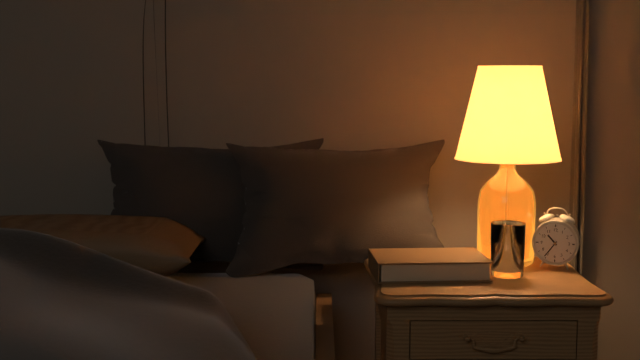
{"hour": 10, "minute": 36}
